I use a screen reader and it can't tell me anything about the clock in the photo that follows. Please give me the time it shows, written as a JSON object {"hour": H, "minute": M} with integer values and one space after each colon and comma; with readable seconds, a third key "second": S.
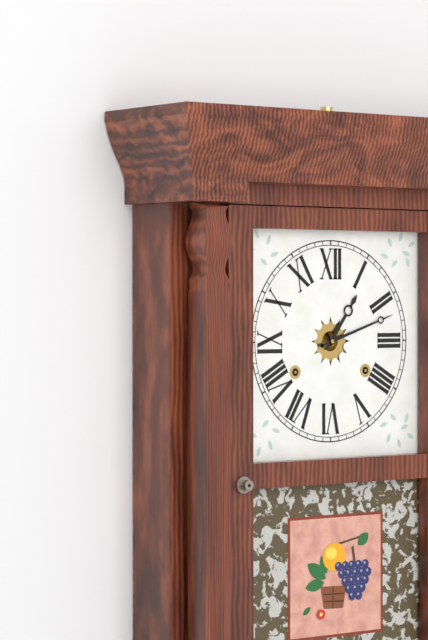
{"hour": 1, "minute": 12}
